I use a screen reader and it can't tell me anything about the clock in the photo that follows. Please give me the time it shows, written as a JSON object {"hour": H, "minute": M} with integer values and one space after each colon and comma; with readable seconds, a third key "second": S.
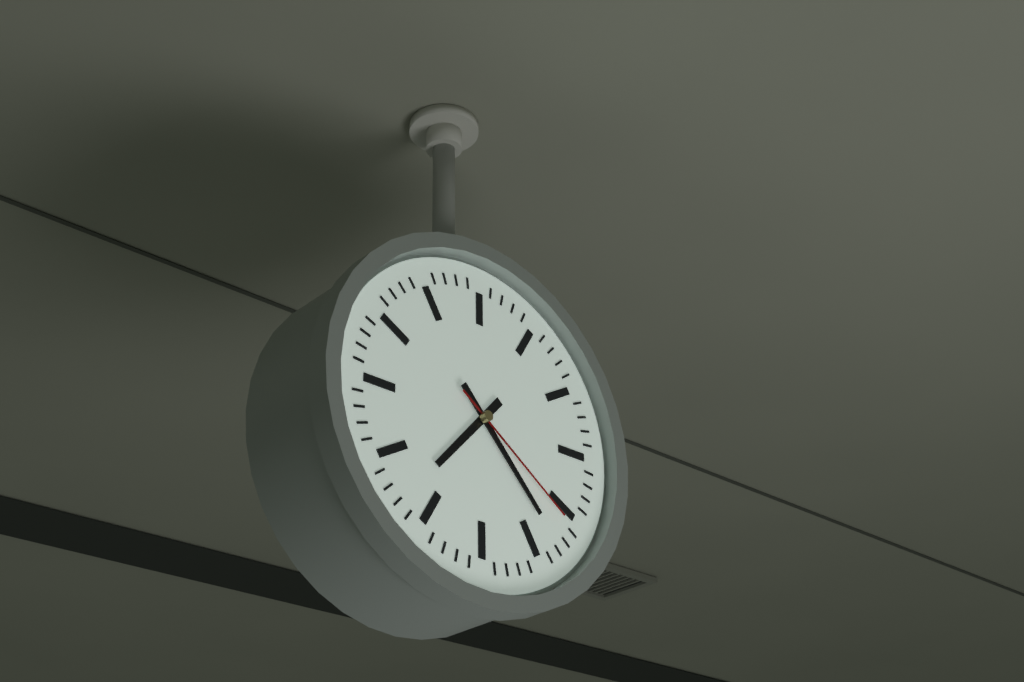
{"hour": 7, "minute": 23, "second": 21}
